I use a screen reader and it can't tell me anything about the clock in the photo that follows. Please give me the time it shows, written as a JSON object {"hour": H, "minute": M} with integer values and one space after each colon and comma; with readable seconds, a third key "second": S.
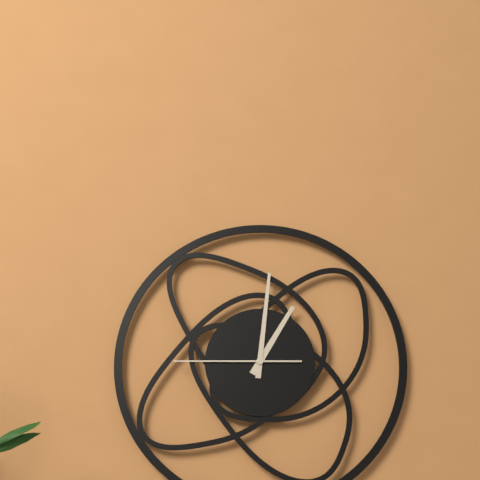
{"hour": 1, "minute": 1, "second": 45}
